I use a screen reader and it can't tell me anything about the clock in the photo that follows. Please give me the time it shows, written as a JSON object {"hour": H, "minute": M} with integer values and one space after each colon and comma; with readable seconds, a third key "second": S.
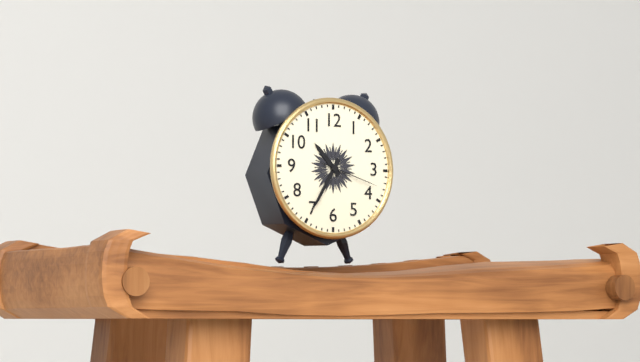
{"hour": 10, "minute": 35, "second": 18}
